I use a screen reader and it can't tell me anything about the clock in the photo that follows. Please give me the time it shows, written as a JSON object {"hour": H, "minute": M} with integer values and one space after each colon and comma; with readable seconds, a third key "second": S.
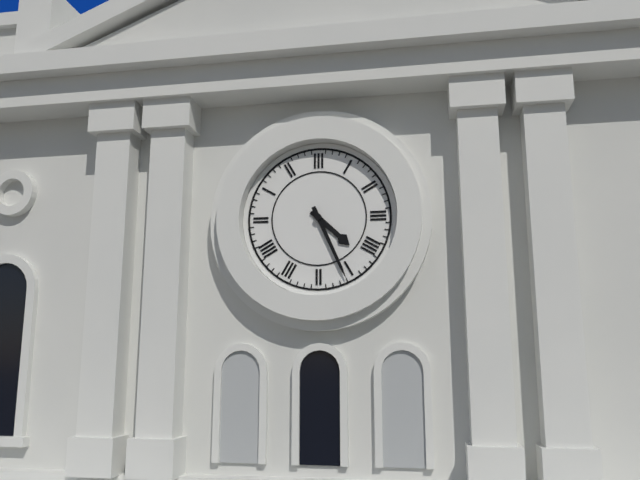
{"hour": 4, "minute": 26}
